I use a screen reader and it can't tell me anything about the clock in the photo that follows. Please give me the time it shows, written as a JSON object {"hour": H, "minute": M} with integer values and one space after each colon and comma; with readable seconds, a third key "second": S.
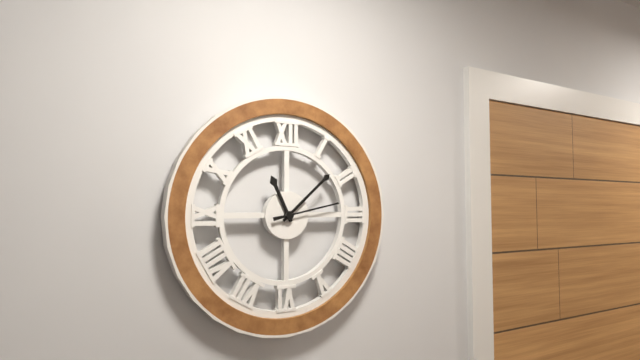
{"hour": 11, "minute": 8, "second": 13}
